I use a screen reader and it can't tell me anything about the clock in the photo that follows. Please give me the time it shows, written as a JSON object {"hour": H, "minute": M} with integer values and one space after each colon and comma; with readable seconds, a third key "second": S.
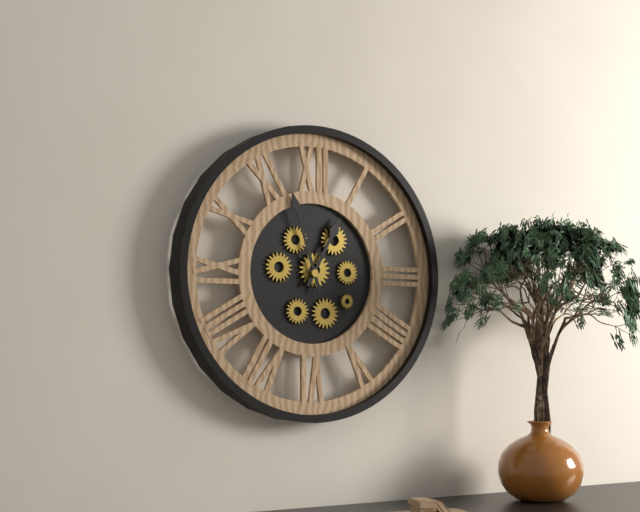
{"hour": 12, "minute": 57}
